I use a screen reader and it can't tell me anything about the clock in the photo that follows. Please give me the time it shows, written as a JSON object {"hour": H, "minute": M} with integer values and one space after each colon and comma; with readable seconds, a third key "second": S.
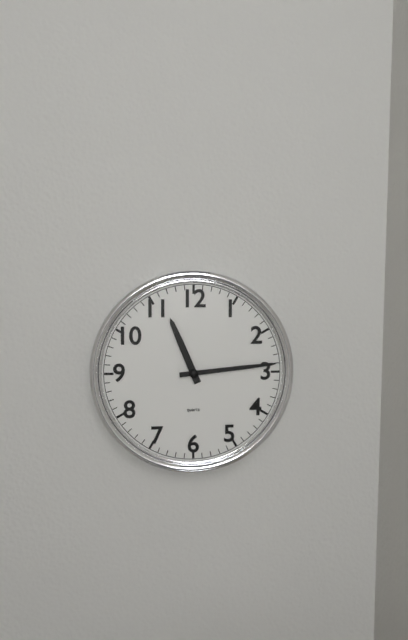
{"hour": 11, "minute": 14}
